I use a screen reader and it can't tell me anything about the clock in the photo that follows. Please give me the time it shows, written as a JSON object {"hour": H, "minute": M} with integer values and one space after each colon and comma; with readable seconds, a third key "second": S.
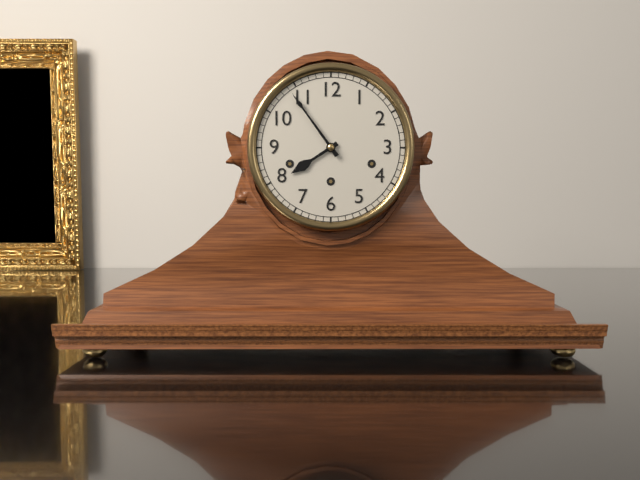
{"hour": 7, "minute": 54}
